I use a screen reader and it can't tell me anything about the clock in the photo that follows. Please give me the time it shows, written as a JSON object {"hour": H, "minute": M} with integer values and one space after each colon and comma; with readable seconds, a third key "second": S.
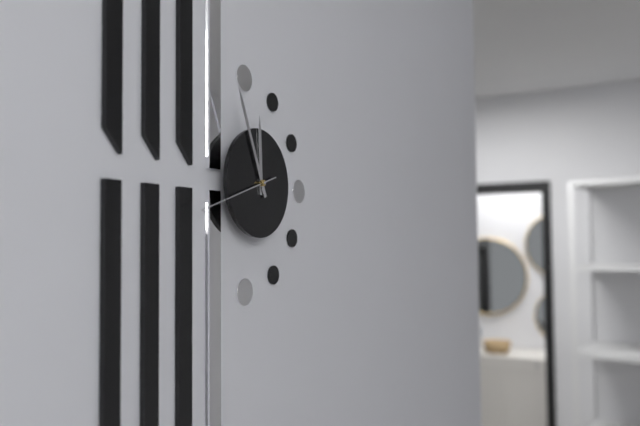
{"hour": 11, "minute": 56, "second": 42}
